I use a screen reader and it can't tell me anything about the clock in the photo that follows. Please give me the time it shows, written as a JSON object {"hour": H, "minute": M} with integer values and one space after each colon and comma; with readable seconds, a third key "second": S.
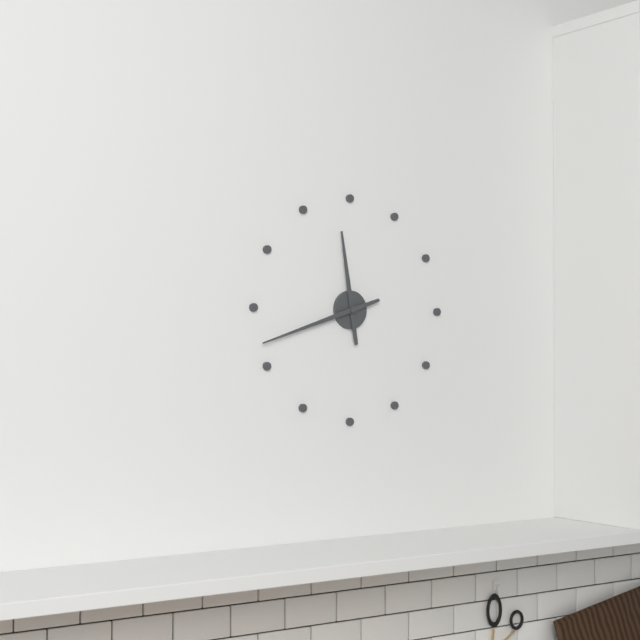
{"hour": 11, "minute": 42}
